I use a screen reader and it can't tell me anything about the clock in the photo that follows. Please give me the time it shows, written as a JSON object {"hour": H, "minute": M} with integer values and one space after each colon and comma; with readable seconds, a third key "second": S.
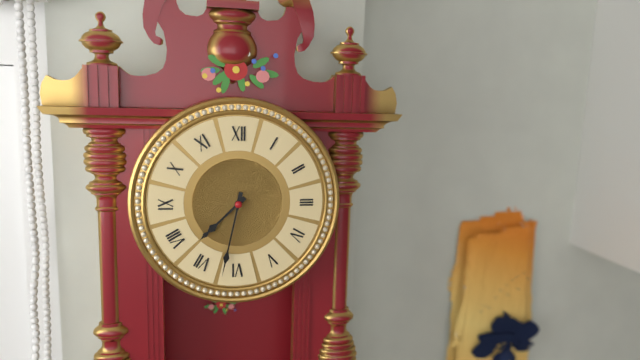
{"hour": 7, "minute": 32}
